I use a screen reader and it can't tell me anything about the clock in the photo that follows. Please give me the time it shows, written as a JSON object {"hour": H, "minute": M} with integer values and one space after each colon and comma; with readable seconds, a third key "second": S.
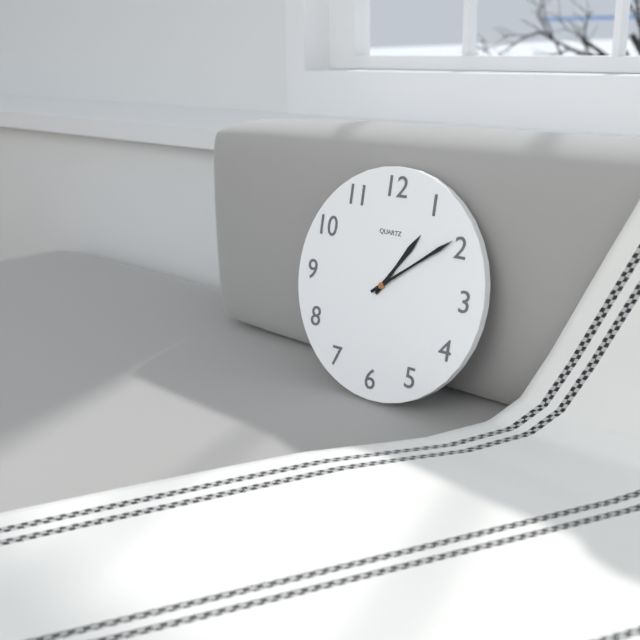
{"hour": 1, "minute": 9}
